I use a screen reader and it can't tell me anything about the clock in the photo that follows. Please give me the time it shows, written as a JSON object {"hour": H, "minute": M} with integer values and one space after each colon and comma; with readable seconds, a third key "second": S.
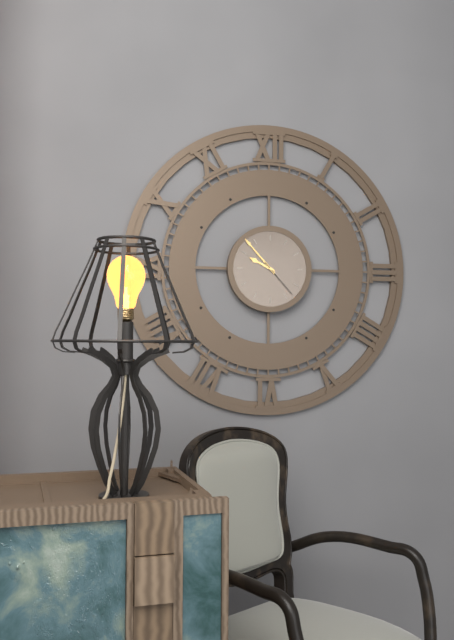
{"hour": 9, "minute": 53}
